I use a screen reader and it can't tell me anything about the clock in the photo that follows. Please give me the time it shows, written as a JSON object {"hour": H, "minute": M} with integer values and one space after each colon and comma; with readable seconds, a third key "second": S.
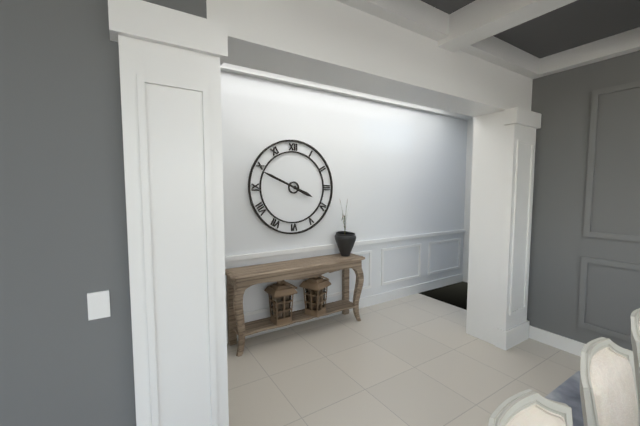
{"hour": 3, "minute": 49}
